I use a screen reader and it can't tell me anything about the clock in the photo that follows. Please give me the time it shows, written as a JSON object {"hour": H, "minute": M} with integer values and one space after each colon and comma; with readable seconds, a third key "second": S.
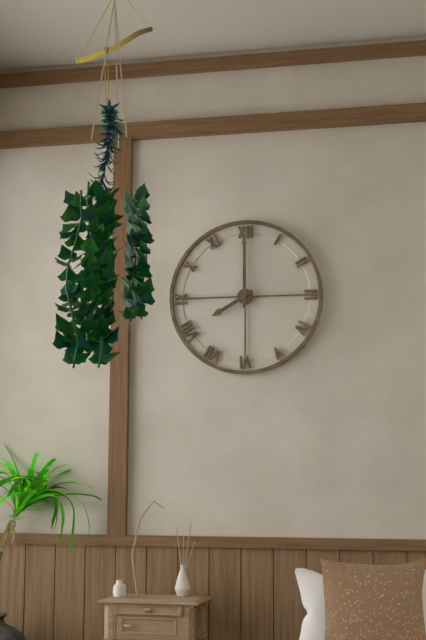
{"hour": 8, "minute": 0}
